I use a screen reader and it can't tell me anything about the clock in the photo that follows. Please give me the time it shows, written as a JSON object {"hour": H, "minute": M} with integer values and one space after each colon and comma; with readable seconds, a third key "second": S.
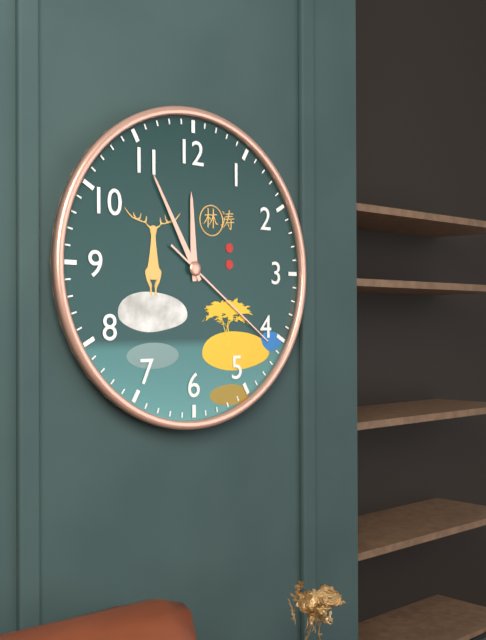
{"hour": 11, "minute": 55, "second": 21}
